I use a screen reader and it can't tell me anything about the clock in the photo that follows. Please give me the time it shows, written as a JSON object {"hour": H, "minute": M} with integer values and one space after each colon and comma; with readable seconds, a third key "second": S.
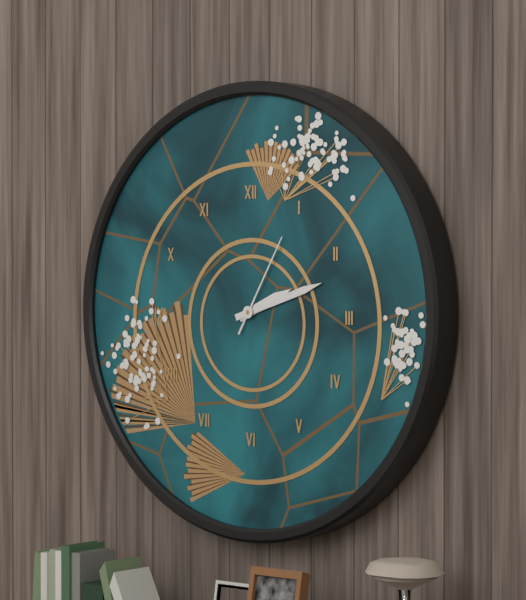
{"hour": 2, "minute": 12, "second": 5}
